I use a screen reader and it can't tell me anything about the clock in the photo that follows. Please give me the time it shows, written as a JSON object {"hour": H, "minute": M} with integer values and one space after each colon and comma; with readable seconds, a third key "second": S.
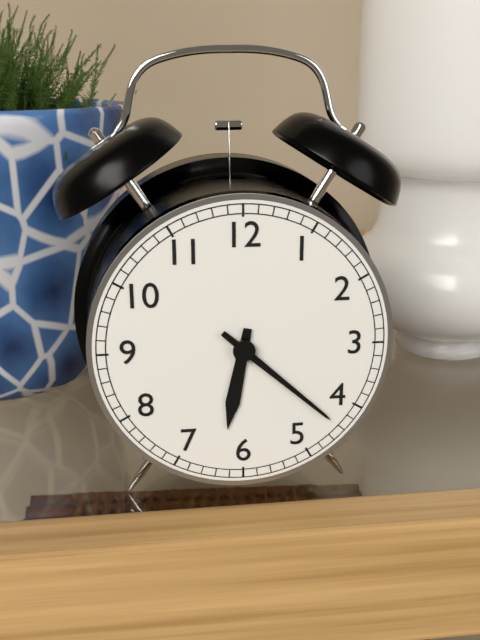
{"hour": 6, "minute": 22}
